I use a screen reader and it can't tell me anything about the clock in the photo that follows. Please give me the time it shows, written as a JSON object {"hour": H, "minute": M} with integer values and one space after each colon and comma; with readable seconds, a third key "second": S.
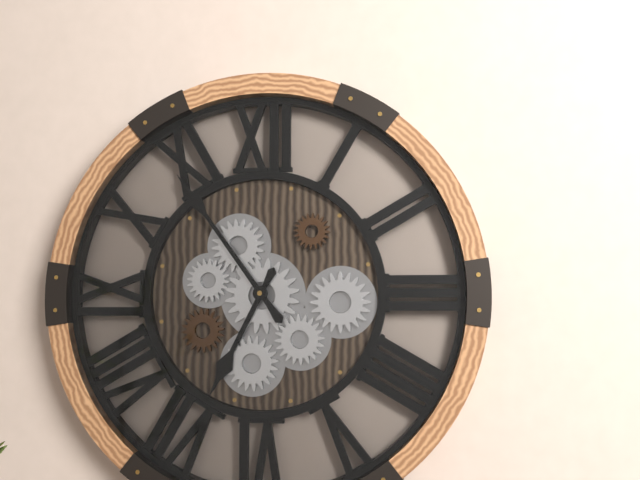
{"hour": 6, "minute": 54}
